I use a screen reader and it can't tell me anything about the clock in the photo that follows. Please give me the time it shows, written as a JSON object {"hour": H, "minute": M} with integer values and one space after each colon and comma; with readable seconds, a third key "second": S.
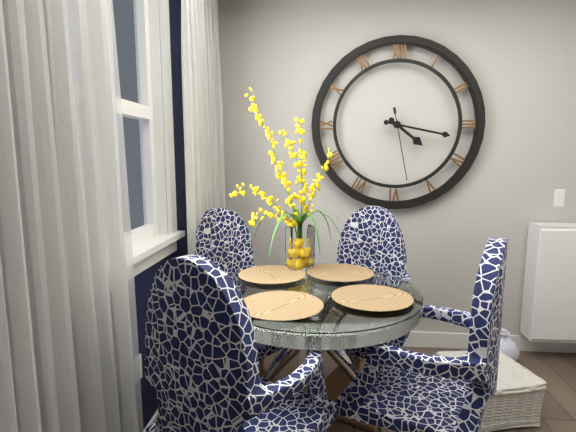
{"hour": 4, "minute": 17, "second": 28}
